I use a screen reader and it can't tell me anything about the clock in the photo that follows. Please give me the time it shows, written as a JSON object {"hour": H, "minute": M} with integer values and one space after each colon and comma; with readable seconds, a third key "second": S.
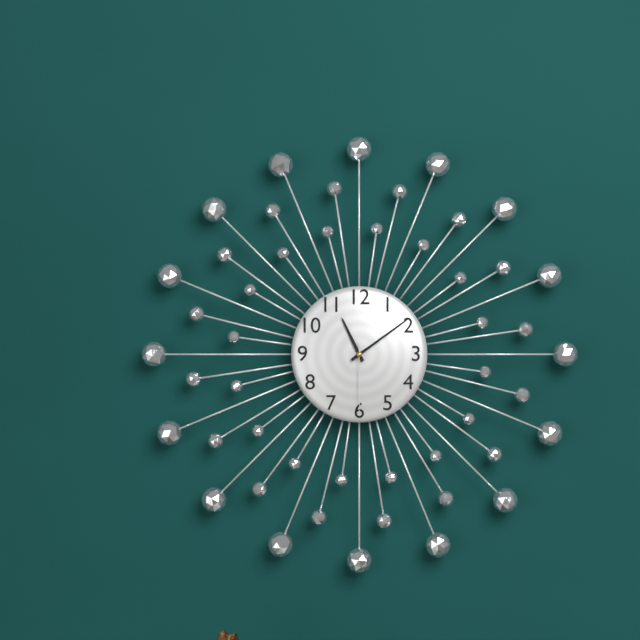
{"hour": 11, "minute": 9, "second": 30}
